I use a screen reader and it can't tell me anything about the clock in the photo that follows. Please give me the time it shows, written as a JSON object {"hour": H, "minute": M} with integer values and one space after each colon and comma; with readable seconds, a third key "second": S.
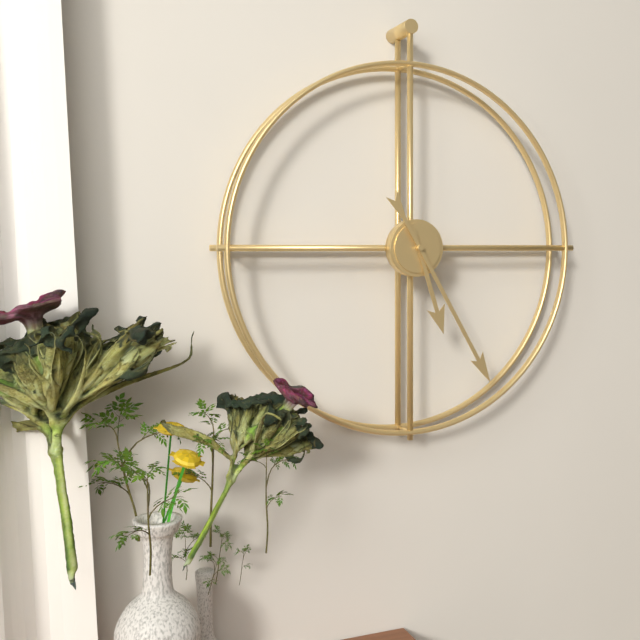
{"hour": 5, "minute": 25}
